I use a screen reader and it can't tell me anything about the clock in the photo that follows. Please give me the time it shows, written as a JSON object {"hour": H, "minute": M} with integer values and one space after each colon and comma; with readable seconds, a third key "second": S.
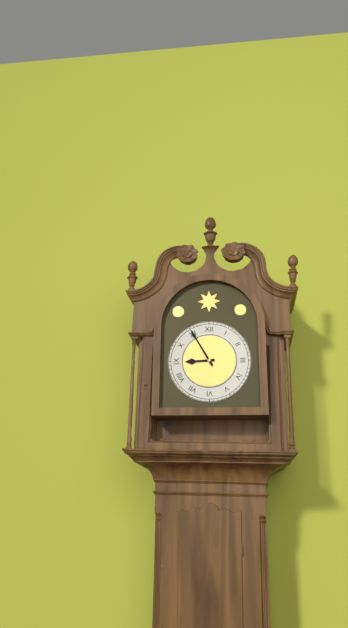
{"hour": 8, "minute": 55}
